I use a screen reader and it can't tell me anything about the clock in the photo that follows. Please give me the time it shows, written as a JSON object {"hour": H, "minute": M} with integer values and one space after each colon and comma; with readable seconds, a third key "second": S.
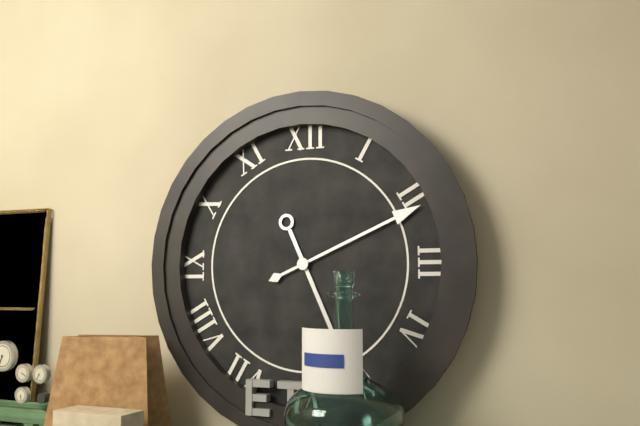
{"hour": 5, "minute": 11}
